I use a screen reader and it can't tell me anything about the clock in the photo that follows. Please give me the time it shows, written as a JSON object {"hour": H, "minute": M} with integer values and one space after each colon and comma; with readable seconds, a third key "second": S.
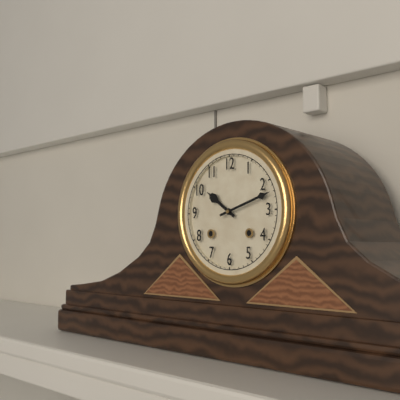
{"hour": 10, "minute": 12}
